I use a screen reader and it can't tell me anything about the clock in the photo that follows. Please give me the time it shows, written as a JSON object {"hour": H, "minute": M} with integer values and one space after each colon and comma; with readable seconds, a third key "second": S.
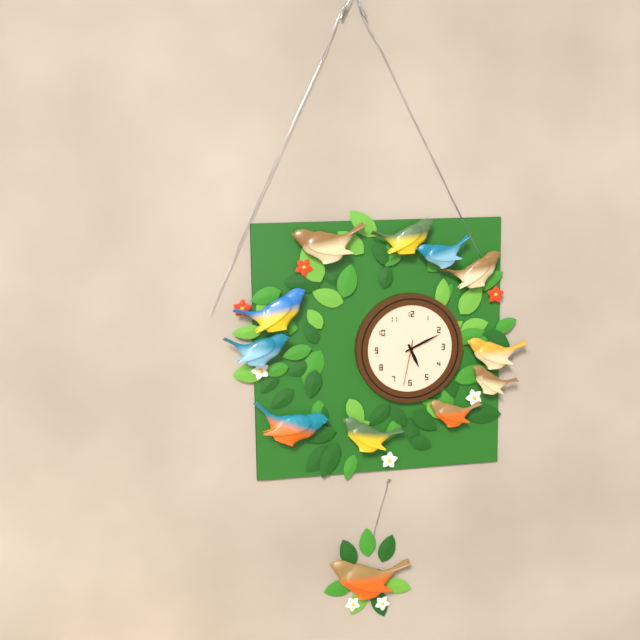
{"hour": 5, "minute": 11}
